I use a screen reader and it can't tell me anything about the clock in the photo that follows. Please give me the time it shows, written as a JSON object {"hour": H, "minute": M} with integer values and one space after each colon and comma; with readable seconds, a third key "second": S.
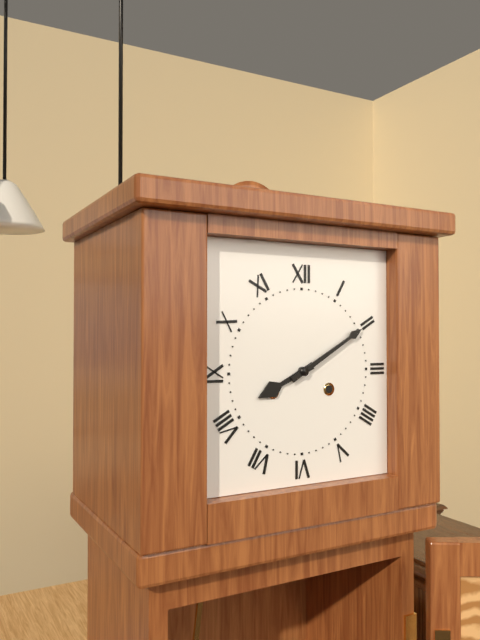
{"hour": 8, "minute": 10}
